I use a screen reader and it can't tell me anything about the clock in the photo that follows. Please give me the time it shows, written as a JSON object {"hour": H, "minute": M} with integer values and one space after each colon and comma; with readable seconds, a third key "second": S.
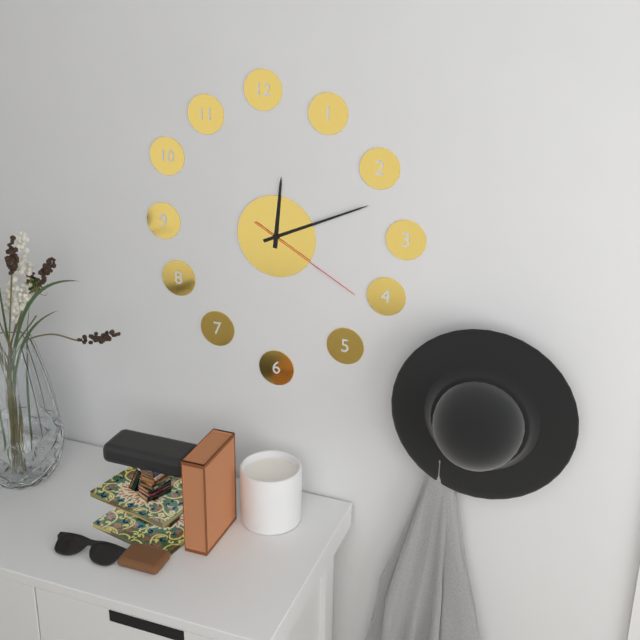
{"hour": 12, "minute": 11, "second": 20}
